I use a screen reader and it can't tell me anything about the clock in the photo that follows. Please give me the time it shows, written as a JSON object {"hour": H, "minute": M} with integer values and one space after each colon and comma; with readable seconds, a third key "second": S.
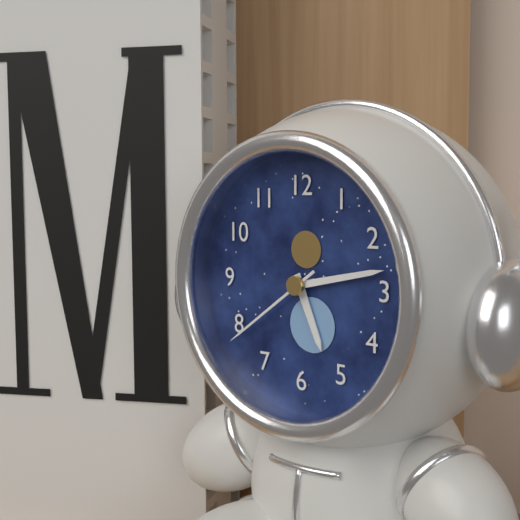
{"hour": 5, "minute": 13, "second": 39}
